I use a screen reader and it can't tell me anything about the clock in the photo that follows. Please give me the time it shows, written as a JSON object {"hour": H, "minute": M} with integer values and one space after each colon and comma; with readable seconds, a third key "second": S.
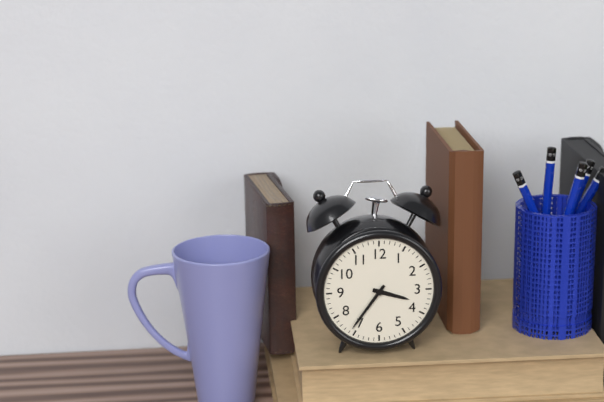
{"hour": 3, "minute": 36}
